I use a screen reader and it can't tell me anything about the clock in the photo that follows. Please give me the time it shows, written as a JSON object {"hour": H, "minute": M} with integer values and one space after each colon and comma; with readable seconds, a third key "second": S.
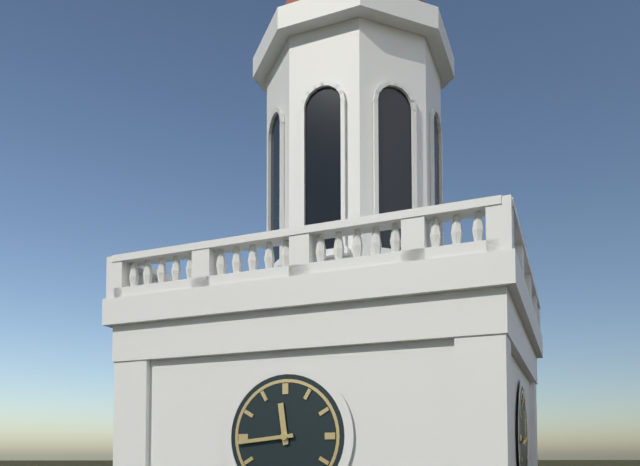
{"hour": 11, "minute": 44}
